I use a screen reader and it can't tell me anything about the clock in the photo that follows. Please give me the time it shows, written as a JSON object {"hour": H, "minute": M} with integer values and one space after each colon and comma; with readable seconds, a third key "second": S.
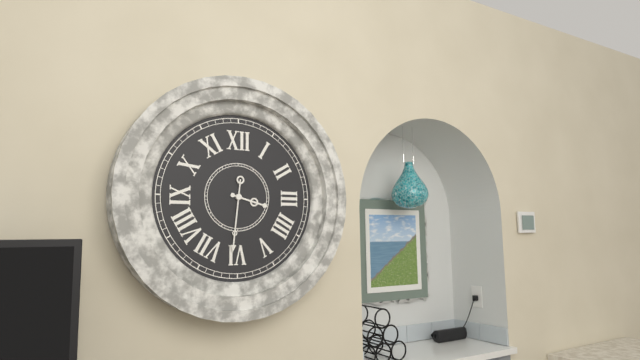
{"hour": 3, "minute": 31}
